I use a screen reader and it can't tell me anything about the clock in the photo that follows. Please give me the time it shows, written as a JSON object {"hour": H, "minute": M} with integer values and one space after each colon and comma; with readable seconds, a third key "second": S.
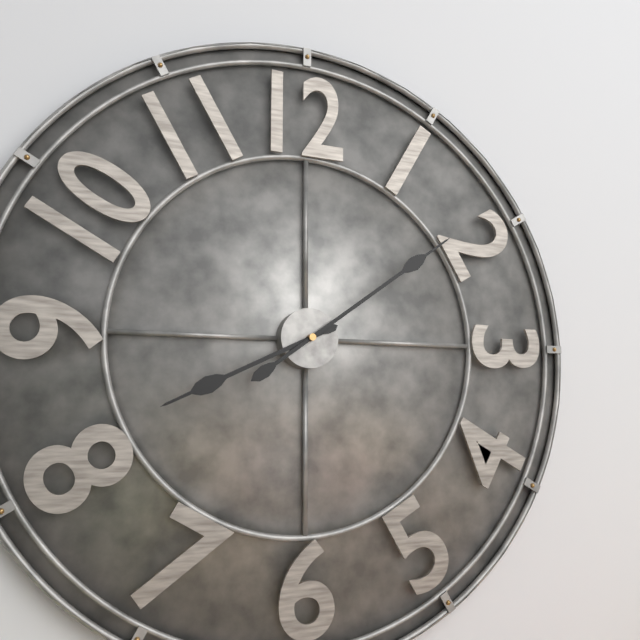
{"hour": 8, "minute": 9}
